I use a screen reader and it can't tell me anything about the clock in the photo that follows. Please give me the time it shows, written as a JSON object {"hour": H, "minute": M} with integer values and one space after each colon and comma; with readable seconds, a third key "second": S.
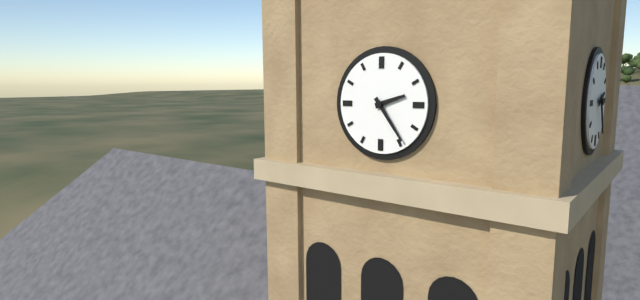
{"hour": 2, "minute": 24}
